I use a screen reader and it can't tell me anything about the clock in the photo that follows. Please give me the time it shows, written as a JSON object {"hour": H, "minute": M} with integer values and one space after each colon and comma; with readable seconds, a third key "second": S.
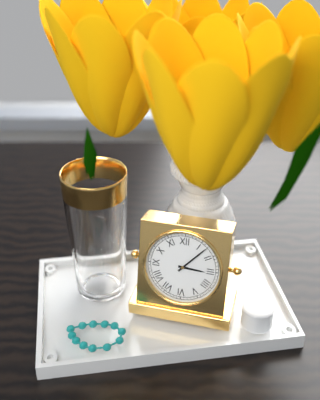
{"hour": 3, "minute": 7}
